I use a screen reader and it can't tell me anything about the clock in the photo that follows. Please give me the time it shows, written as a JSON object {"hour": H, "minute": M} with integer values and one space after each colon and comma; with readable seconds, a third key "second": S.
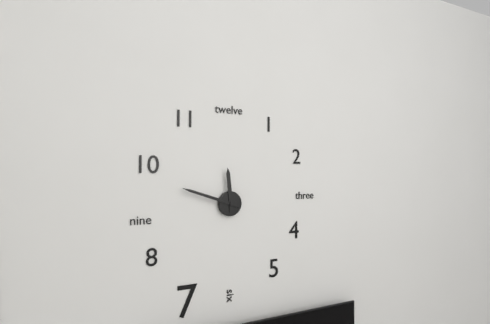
{"hour": 11, "minute": 48}
